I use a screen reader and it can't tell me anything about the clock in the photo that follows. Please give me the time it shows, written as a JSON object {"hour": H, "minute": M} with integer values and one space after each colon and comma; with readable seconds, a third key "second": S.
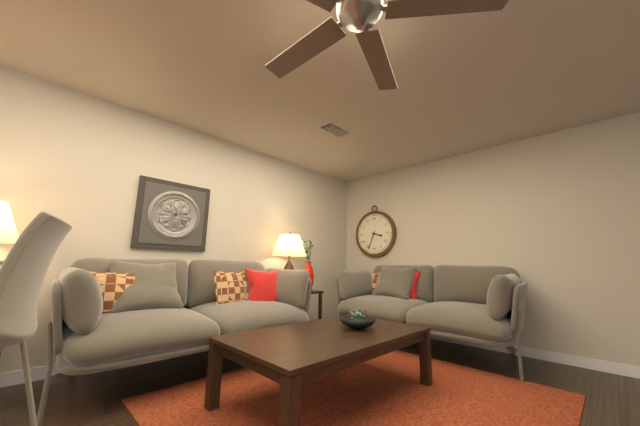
{"hour": 3, "minute": 34}
